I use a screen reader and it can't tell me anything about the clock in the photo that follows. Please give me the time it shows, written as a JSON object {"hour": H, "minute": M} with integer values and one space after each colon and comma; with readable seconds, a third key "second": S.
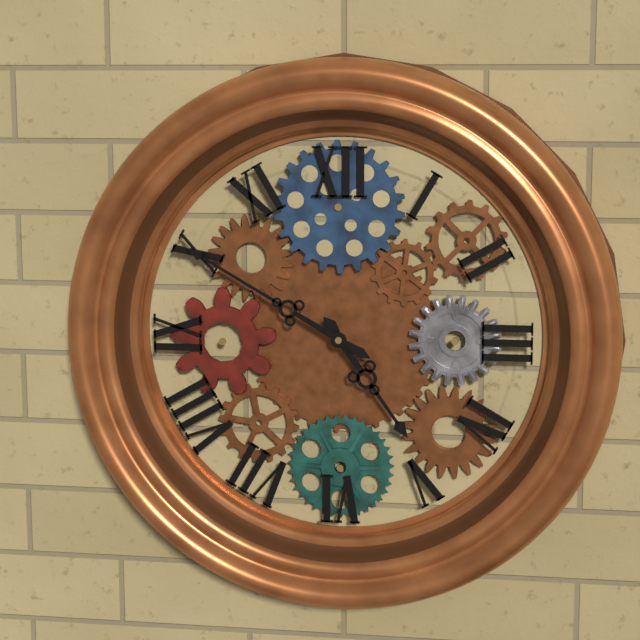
{"hour": 4, "minute": 50}
